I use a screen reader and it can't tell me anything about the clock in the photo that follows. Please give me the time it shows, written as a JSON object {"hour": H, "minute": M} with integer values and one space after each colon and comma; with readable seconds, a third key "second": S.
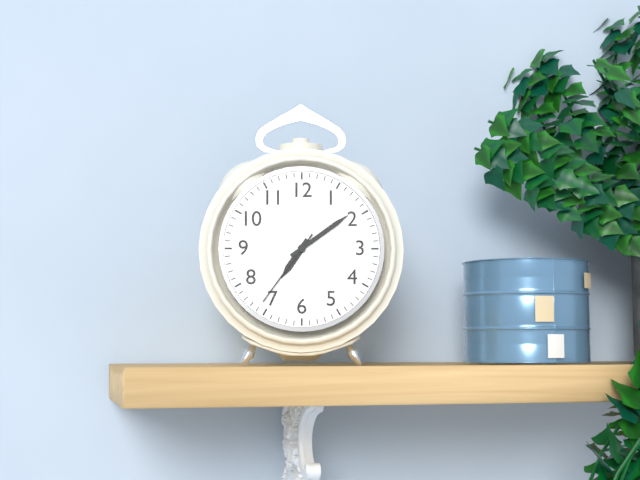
{"hour": 7, "minute": 9, "second": 36}
